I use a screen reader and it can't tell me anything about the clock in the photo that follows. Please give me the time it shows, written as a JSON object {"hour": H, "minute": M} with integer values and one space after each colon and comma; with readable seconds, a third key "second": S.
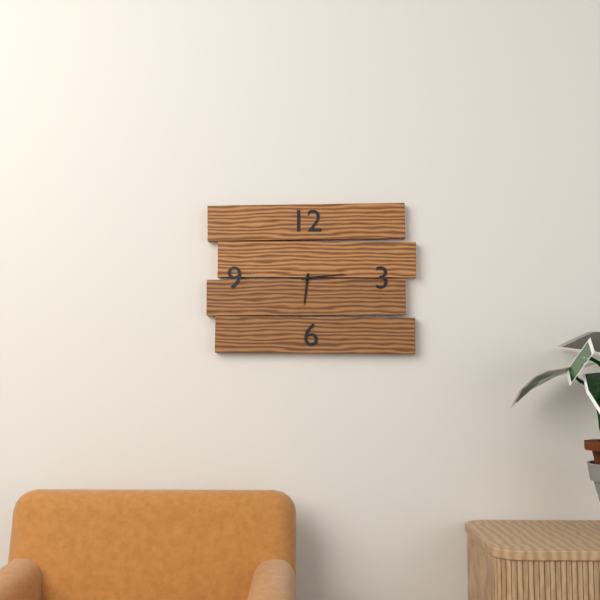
{"hour": 6, "minute": 14}
